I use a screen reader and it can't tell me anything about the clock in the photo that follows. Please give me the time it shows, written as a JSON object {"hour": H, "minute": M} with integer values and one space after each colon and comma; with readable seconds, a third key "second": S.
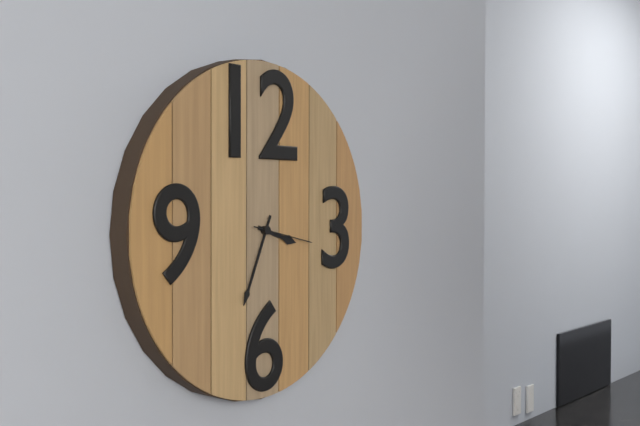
{"hour": 3, "minute": 34, "second": 17}
